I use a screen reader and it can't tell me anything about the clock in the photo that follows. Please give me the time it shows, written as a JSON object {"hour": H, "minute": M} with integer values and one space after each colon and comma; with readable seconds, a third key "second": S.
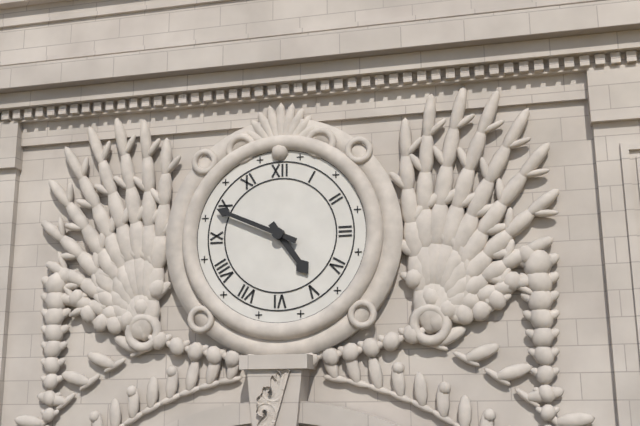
{"hour": 4, "minute": 49}
